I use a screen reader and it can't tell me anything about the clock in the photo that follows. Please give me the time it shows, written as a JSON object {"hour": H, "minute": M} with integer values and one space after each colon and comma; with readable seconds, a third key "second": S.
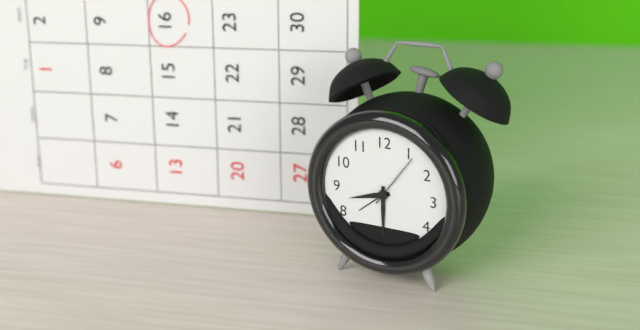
{"hour": 8, "minute": 30, "second": 6}
